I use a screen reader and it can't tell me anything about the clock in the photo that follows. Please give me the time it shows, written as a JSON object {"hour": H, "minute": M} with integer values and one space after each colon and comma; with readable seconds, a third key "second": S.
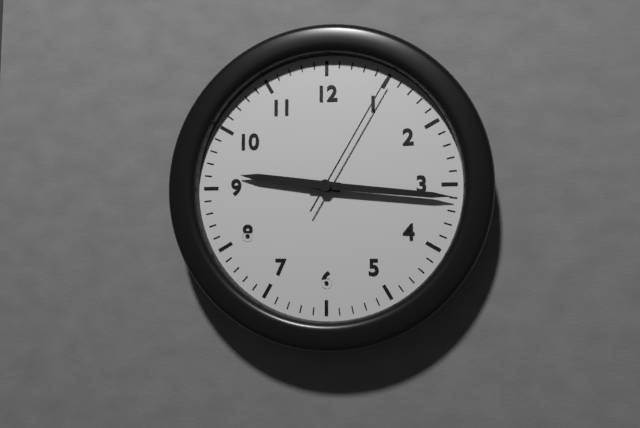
{"hour": 9, "minute": 16, "second": 5}
